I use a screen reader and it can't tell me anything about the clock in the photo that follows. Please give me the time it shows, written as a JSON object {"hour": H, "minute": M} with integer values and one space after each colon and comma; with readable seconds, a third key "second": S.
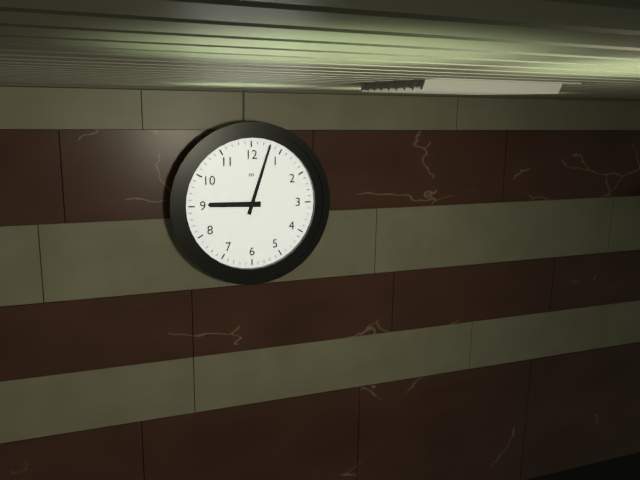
{"hour": 9, "minute": 3}
